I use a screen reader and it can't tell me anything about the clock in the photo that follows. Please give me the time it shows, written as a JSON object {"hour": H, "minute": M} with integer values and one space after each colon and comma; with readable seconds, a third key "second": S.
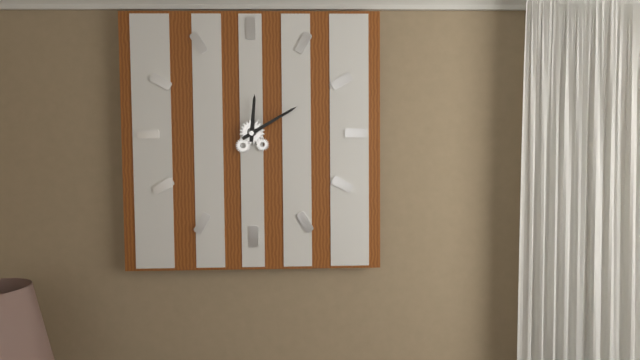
{"hour": 12, "minute": 10}
